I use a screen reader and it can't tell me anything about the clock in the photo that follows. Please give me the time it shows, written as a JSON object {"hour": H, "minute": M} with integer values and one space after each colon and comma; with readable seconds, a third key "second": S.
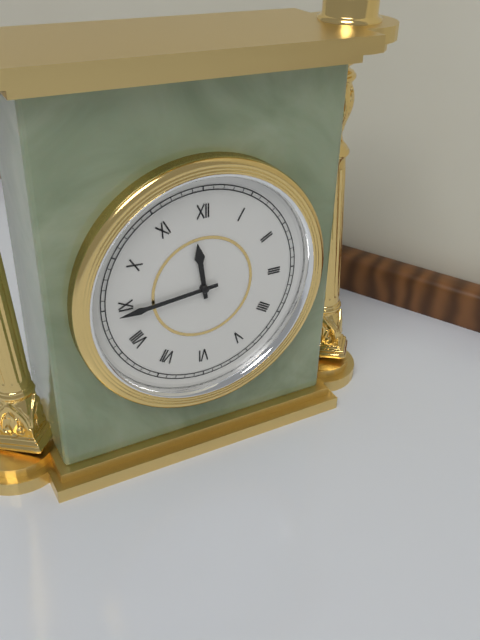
{"hour": 11, "minute": 44}
